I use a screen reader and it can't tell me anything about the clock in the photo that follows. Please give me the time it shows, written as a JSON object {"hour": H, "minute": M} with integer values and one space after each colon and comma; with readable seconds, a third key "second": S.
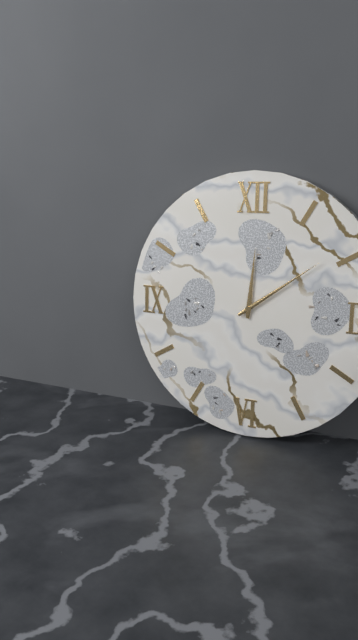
{"hour": 12, "minute": 9}
